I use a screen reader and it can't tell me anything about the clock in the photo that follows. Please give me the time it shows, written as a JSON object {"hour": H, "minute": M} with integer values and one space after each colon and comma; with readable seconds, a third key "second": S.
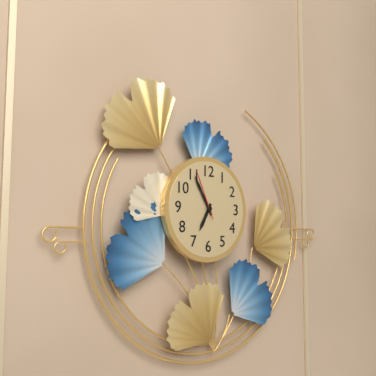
{"hour": 6, "minute": 55, "second": 56}
